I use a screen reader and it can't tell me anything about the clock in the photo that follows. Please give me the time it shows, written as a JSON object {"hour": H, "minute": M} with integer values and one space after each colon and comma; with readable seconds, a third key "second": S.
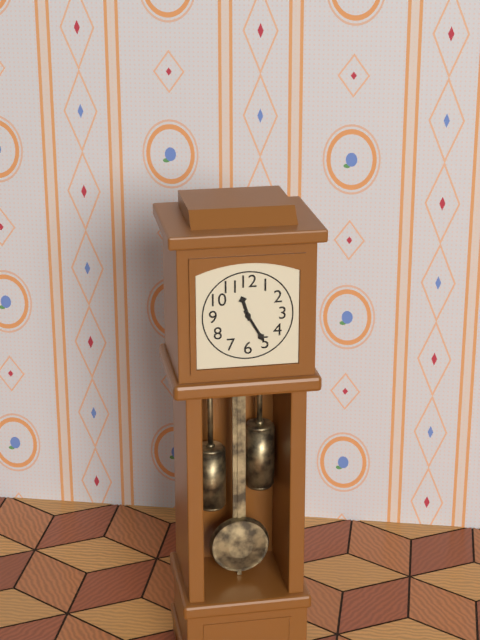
{"hour": 11, "minute": 25}
